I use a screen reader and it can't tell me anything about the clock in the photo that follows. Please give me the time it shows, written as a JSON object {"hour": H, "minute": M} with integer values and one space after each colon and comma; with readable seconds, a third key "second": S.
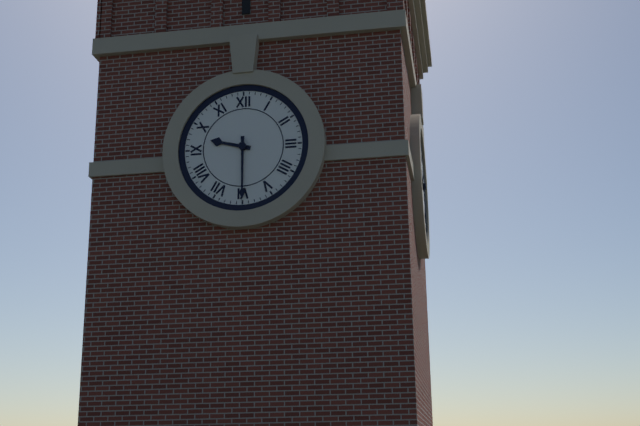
{"hour": 9, "minute": 30}
